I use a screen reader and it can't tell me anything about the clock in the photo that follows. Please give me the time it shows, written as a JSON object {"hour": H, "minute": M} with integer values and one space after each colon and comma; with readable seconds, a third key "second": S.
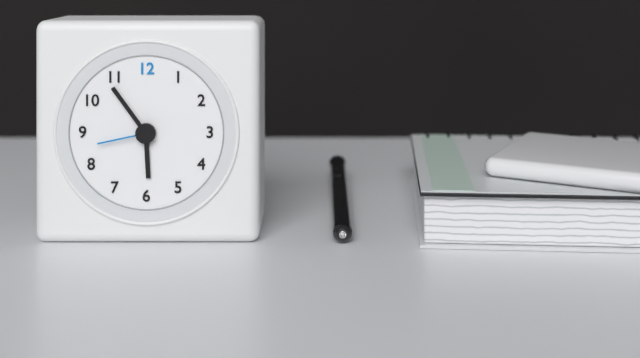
{"hour": 5, "minute": 54, "second": 43}
